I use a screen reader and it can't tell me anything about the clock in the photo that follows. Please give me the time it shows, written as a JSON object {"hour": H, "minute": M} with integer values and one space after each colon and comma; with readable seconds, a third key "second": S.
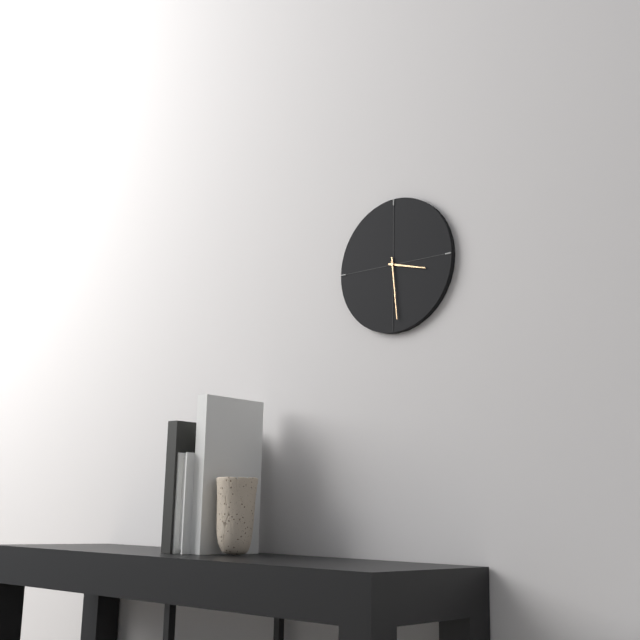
{"hour": 3, "minute": 29}
